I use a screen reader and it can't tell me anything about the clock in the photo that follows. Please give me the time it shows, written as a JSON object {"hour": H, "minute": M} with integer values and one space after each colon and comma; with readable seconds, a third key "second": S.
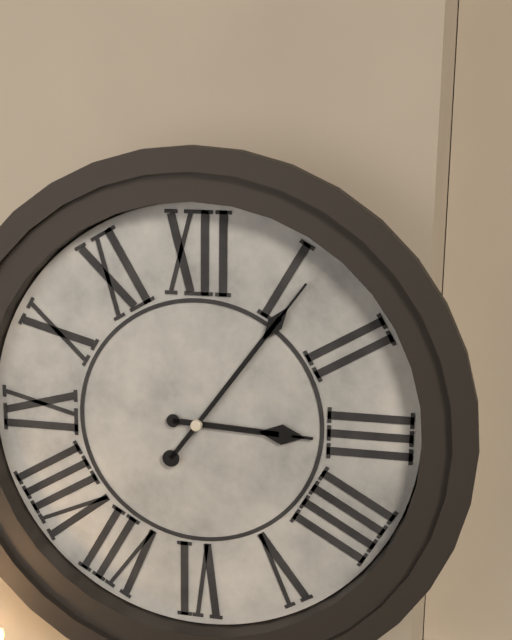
{"hour": 3, "minute": 6}
